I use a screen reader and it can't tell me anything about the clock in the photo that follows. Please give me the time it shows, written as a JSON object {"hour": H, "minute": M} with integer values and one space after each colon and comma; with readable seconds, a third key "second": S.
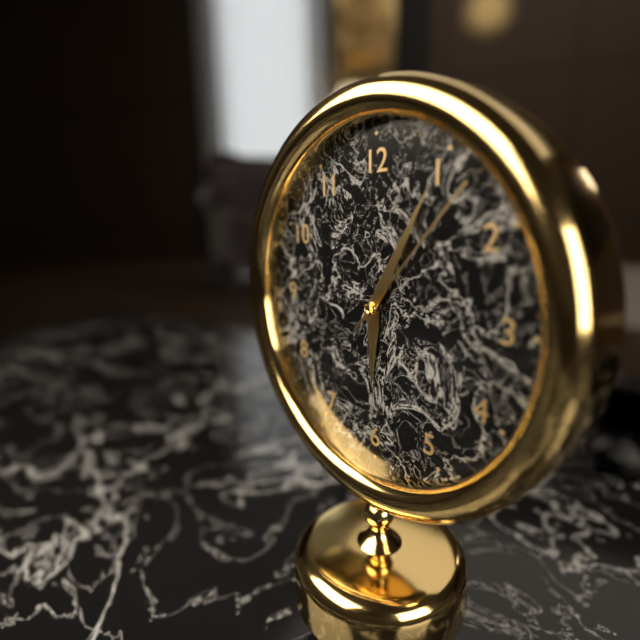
{"hour": 6, "minute": 5, "second": 7}
